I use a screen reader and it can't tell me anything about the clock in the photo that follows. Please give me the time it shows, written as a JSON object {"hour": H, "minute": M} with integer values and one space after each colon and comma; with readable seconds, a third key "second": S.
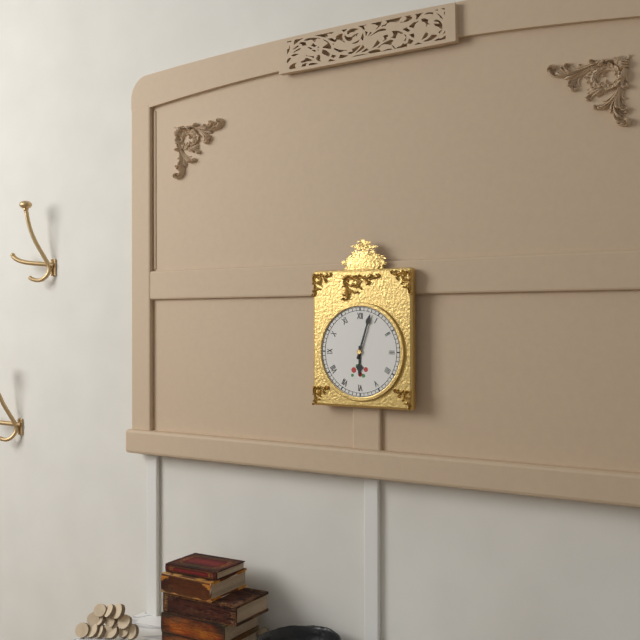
{"hour": 6, "minute": 3}
